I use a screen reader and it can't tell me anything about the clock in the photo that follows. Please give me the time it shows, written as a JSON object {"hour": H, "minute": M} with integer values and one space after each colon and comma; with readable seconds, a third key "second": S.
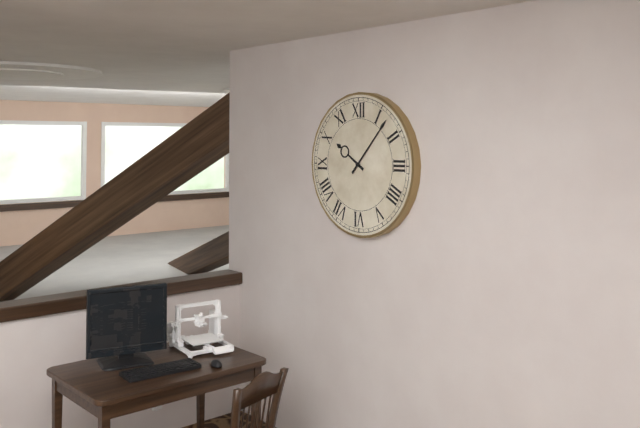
{"hour": 10, "minute": 7}
